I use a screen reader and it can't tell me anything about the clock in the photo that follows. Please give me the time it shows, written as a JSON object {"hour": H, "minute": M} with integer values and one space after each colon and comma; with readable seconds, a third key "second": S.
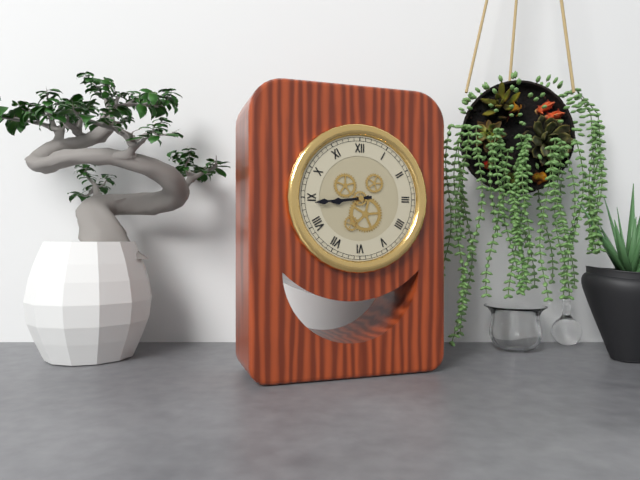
{"hour": 8, "minute": 44}
